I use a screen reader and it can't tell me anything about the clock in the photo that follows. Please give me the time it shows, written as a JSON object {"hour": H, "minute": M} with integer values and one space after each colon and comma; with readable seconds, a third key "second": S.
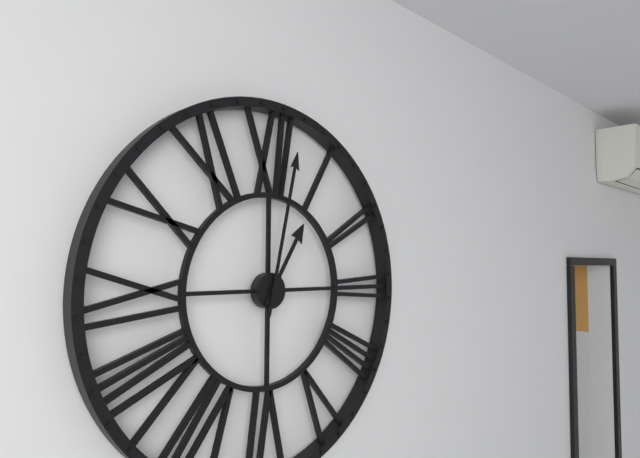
{"hour": 1, "minute": 2}
